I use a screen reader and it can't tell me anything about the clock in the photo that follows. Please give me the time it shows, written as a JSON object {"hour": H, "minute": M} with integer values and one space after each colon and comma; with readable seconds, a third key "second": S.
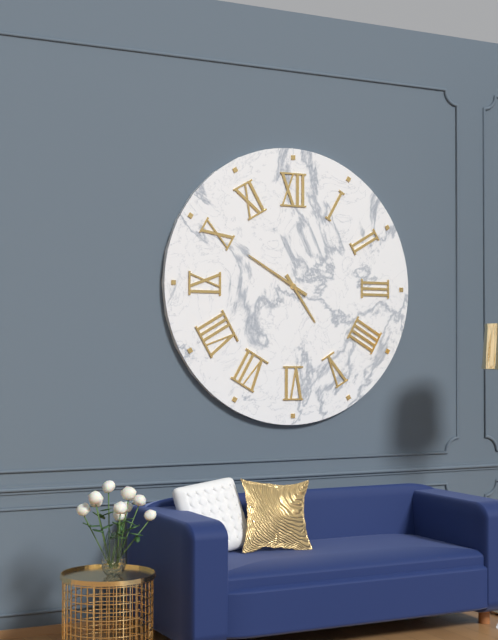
{"hour": 4, "minute": 50}
